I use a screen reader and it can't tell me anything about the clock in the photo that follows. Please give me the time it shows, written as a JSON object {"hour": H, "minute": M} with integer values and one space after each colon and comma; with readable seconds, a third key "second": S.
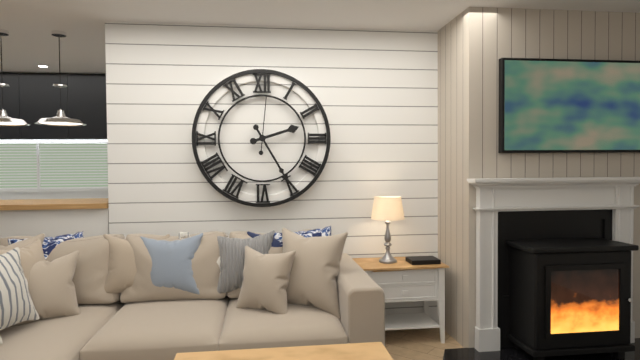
{"hour": 2, "minute": 25, "second": 1}
